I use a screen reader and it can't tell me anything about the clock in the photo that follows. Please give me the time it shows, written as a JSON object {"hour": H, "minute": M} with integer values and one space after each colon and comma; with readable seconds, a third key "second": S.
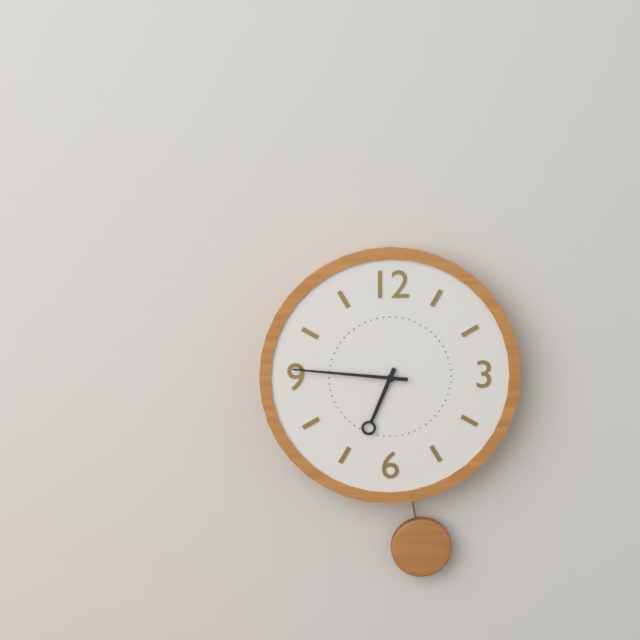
{"hour": 6, "minute": 46}
